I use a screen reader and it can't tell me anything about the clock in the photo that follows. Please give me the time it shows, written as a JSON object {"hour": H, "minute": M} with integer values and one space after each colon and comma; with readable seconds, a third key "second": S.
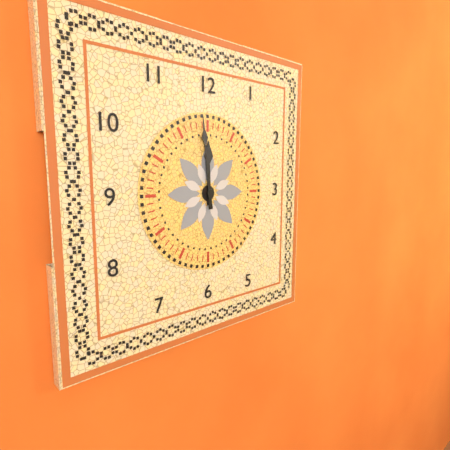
{"hour": 11, "minute": 59}
